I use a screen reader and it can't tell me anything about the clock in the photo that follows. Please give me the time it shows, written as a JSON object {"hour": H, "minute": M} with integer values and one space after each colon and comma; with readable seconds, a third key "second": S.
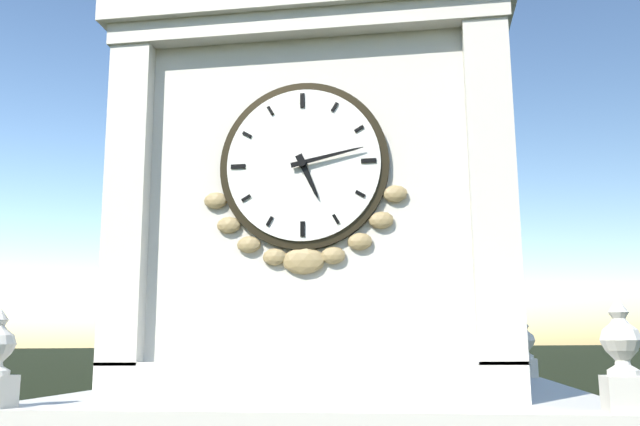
{"hour": 5, "minute": 13}
